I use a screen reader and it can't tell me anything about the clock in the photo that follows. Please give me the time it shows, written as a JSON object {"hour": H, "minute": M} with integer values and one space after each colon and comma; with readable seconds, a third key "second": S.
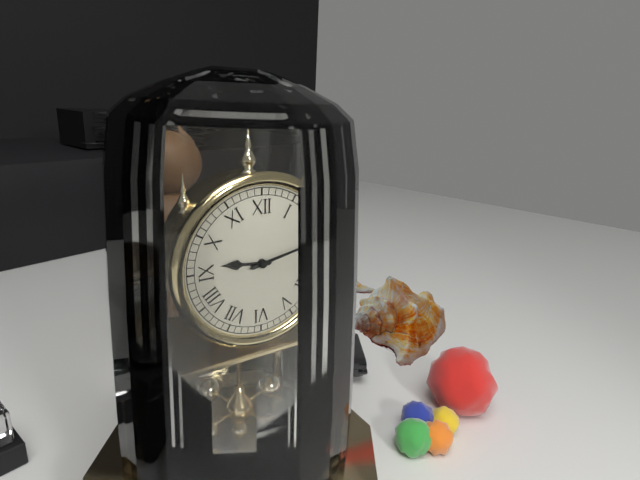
{"hour": 9, "minute": 13}
